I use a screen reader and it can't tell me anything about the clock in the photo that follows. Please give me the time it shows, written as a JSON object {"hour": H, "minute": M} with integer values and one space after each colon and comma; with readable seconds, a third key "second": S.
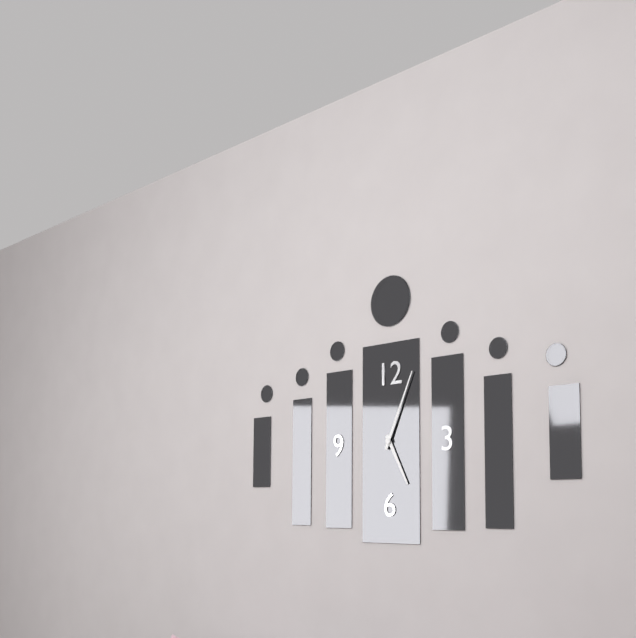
{"hour": 5, "minute": 4}
